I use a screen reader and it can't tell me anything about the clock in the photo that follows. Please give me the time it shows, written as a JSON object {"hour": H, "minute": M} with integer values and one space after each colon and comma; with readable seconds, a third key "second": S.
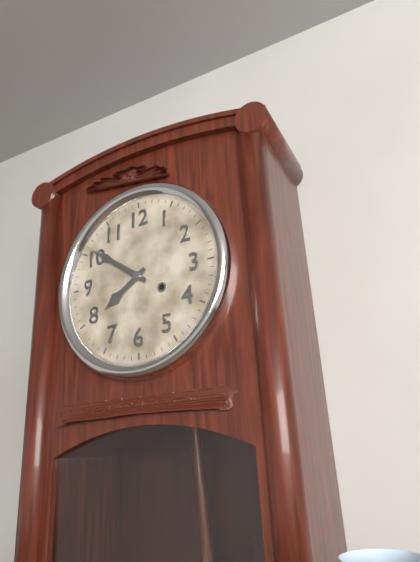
{"hour": 7, "minute": 51}
